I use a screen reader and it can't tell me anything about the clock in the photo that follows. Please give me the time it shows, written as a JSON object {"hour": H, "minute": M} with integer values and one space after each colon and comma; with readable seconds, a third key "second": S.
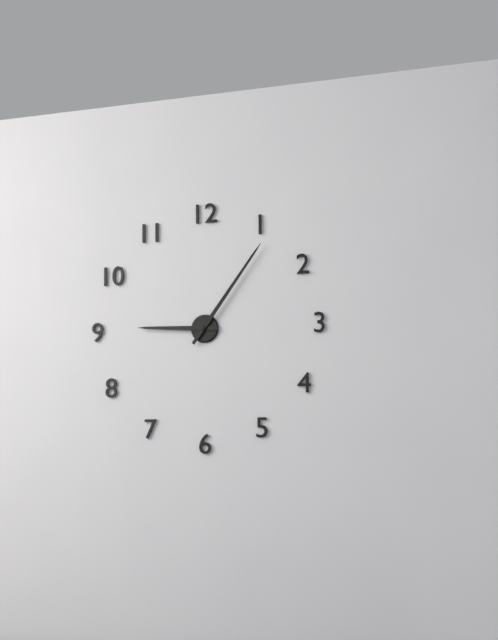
{"hour": 9, "minute": 6}
